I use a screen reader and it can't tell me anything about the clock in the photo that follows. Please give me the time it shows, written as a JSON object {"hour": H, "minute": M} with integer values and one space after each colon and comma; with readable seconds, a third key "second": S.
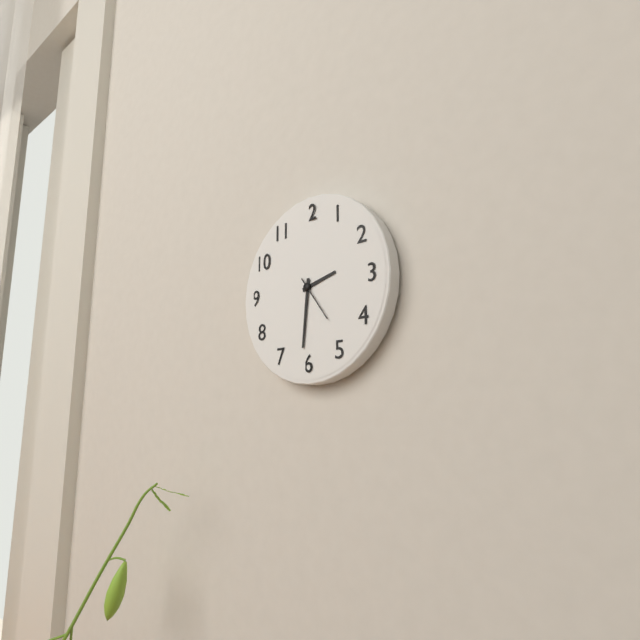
{"hour": 2, "minute": 31}
